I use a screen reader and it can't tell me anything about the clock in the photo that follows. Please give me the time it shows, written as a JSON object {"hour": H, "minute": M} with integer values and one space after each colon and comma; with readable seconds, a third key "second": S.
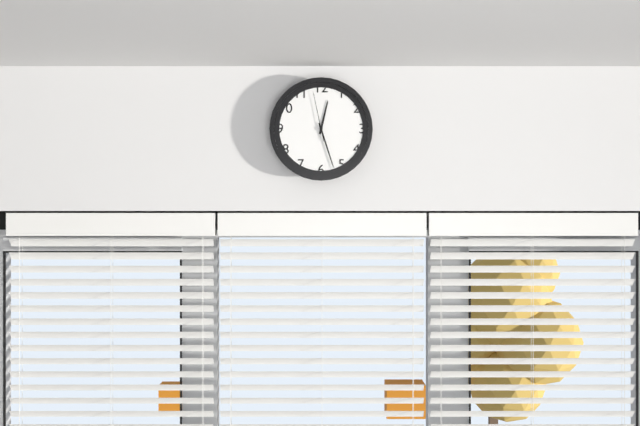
{"hour": 12, "minute": 27, "second": 58}
